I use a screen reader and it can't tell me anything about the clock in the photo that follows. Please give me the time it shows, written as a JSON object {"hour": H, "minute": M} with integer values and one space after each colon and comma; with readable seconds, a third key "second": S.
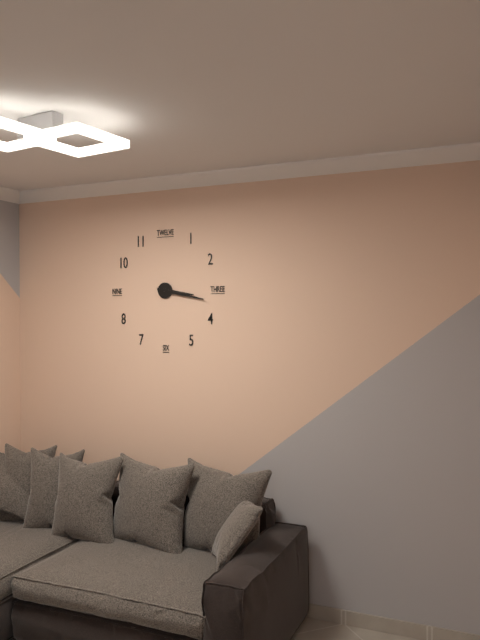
{"hour": 3, "minute": 17}
